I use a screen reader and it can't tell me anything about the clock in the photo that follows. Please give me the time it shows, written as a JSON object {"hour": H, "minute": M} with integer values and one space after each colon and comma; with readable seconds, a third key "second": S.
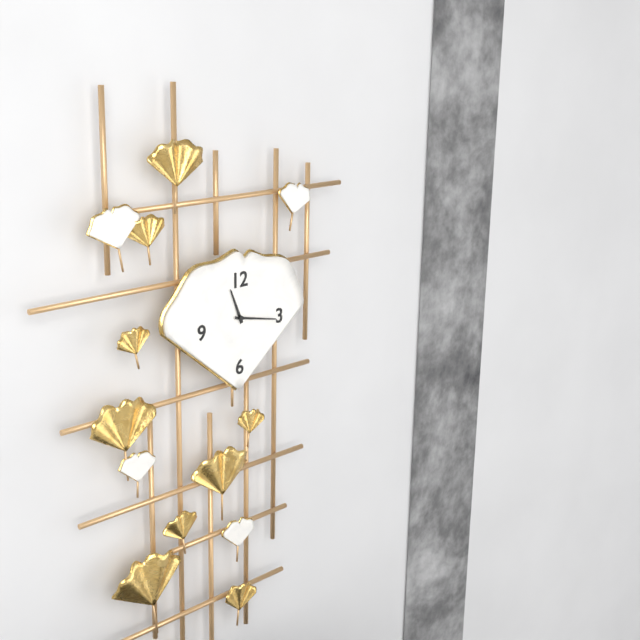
{"hour": 11, "minute": 17}
